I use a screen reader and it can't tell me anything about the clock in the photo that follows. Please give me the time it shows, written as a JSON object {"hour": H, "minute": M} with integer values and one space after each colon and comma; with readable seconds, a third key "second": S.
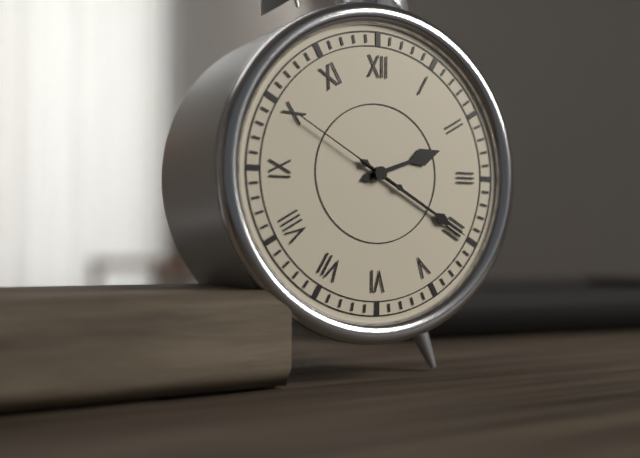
{"hour": 2, "minute": 20, "second": 50}
